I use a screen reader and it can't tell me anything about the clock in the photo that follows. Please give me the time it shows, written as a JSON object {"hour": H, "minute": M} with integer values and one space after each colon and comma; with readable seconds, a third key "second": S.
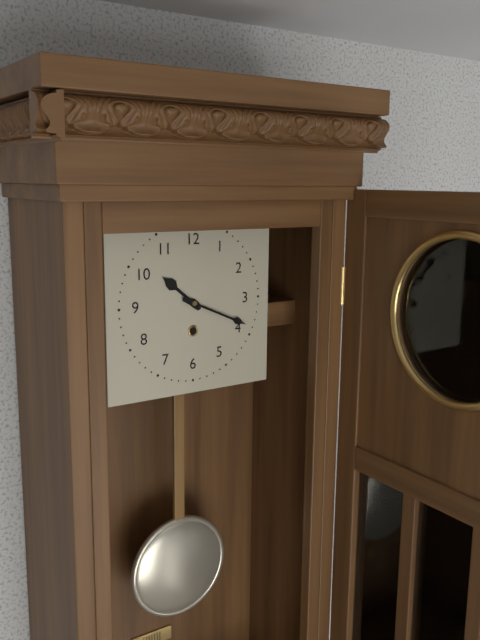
{"hour": 10, "minute": 19}
